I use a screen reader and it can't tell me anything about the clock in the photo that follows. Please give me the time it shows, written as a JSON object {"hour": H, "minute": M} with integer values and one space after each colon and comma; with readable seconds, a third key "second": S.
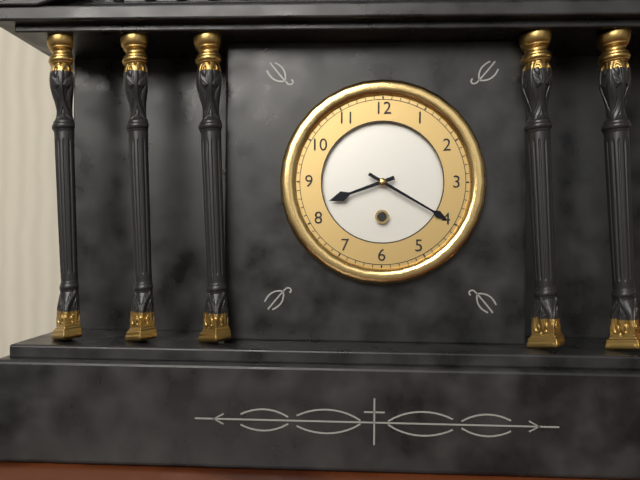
{"hour": 8, "minute": 20}
